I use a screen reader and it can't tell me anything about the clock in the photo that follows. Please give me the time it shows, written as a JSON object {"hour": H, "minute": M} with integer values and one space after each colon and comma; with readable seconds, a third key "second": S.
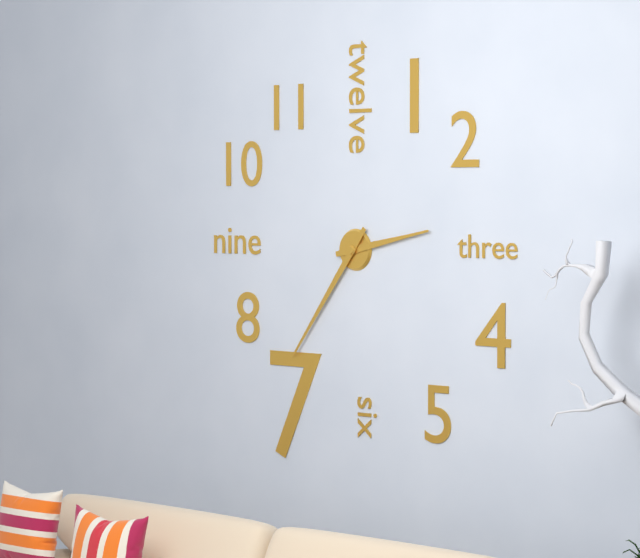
{"hour": 2, "minute": 36}
